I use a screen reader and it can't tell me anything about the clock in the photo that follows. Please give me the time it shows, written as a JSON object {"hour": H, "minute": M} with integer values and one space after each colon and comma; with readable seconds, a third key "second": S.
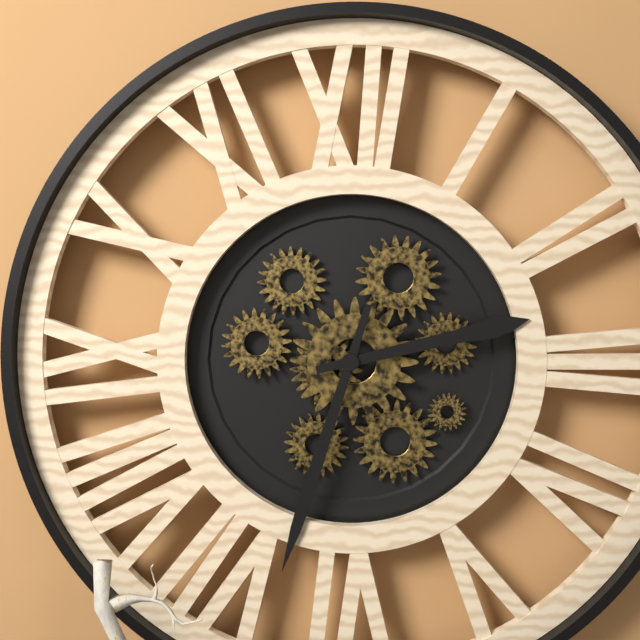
{"hour": 2, "minute": 33}
